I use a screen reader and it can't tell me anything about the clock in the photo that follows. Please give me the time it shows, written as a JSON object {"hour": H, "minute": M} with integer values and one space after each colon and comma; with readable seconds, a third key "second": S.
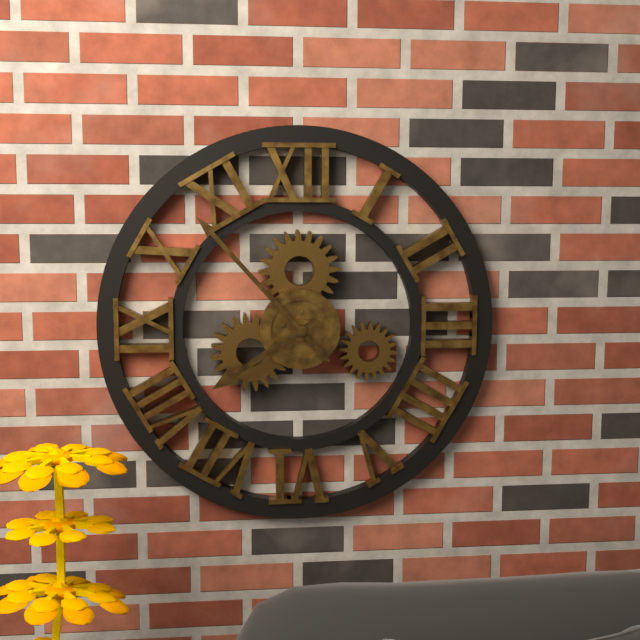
{"hour": 7, "minute": 53}
